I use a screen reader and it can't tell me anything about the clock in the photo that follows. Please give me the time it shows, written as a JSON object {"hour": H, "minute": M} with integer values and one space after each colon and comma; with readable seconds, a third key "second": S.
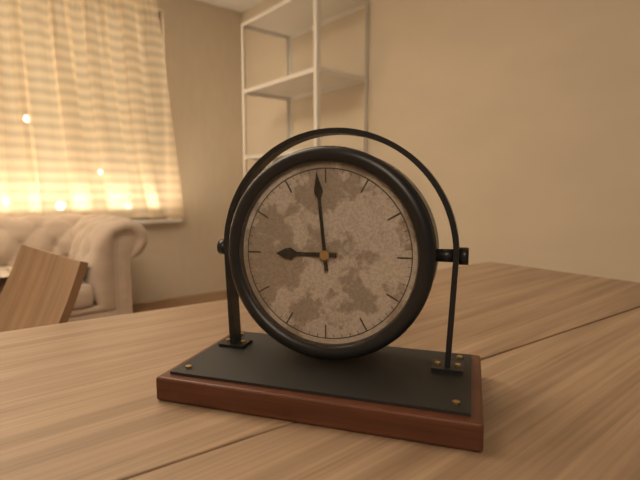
{"hour": 8, "minute": 59}
